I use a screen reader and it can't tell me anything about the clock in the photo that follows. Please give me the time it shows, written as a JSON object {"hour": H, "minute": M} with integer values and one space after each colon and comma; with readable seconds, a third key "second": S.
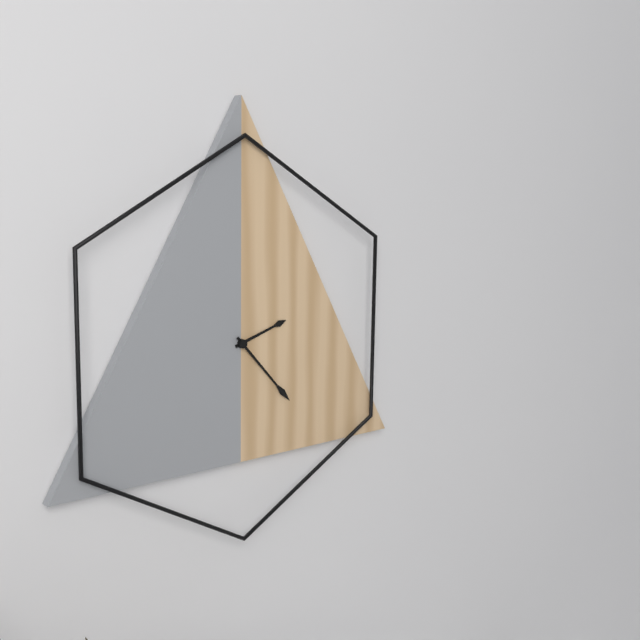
{"hour": 2, "minute": 23}
